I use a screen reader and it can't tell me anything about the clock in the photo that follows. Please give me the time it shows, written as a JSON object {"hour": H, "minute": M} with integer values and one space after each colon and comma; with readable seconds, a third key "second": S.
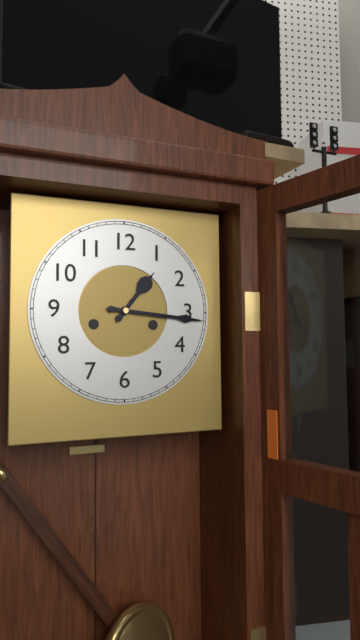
{"hour": 1, "minute": 16}
